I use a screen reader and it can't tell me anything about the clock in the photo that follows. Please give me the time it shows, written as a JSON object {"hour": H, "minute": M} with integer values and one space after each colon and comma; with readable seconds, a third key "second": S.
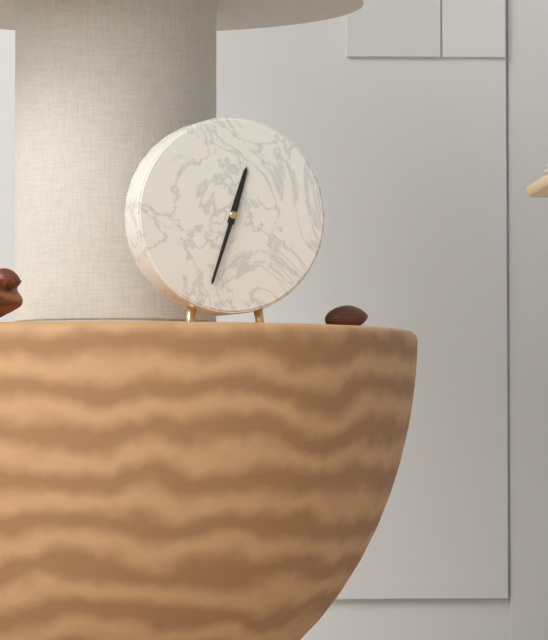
{"hour": 12, "minute": 33}
